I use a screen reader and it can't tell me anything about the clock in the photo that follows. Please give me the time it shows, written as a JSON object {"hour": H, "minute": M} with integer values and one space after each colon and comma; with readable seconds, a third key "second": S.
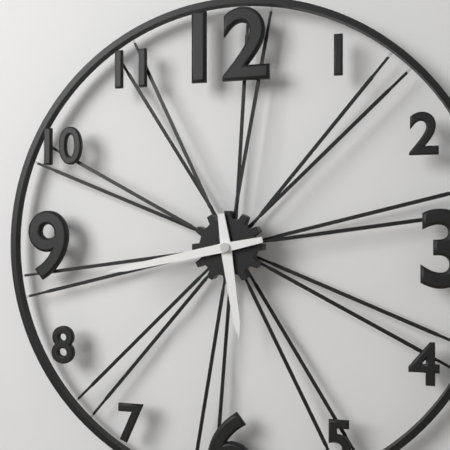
{"hour": 5, "minute": 43}
